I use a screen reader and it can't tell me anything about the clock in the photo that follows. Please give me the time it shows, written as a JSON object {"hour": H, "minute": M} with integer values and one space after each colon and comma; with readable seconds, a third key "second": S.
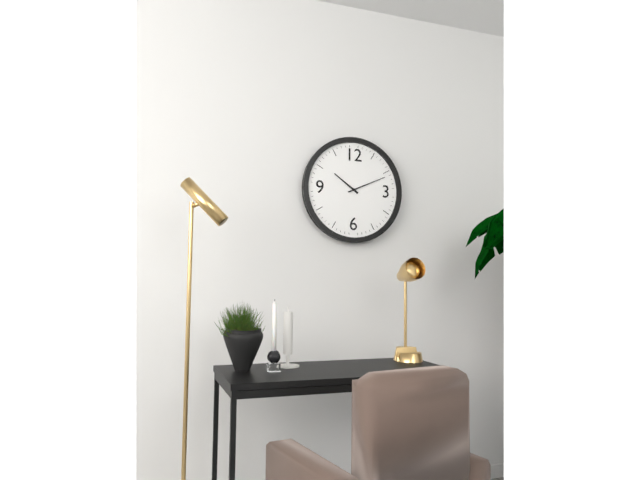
{"hour": 10, "minute": 11}
